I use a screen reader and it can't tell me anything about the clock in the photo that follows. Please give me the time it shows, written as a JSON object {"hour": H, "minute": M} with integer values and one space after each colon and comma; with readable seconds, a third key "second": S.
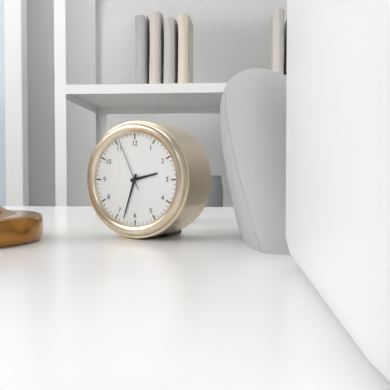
{"hour": 2, "minute": 33, "second": 56}
